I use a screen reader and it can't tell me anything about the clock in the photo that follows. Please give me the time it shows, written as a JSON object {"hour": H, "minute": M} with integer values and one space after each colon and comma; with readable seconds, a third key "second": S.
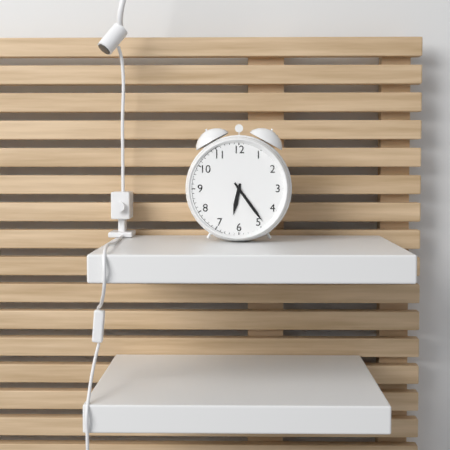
{"hour": 6, "minute": 24}
